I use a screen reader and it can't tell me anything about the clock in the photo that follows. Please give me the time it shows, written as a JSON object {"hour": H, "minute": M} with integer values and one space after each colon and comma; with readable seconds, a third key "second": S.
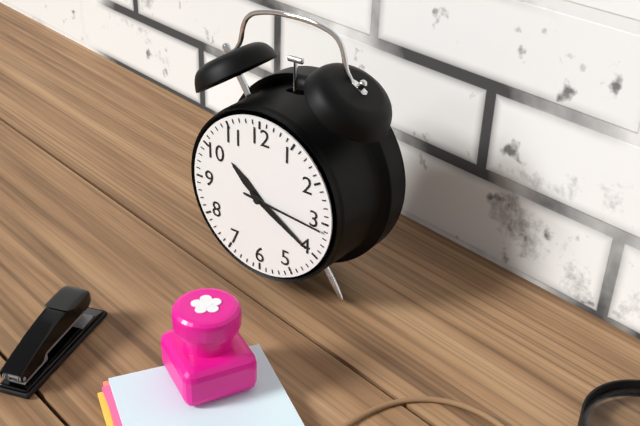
{"hour": 10, "minute": 20, "second": 16}
